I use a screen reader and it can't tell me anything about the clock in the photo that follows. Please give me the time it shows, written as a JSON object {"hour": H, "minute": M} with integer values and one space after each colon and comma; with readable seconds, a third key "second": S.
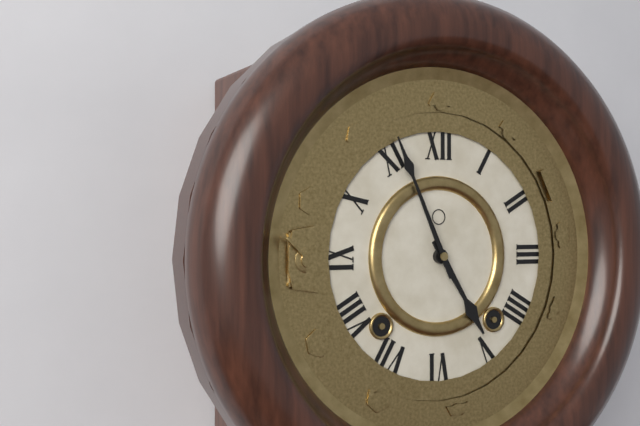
{"hour": 4, "minute": 56}
